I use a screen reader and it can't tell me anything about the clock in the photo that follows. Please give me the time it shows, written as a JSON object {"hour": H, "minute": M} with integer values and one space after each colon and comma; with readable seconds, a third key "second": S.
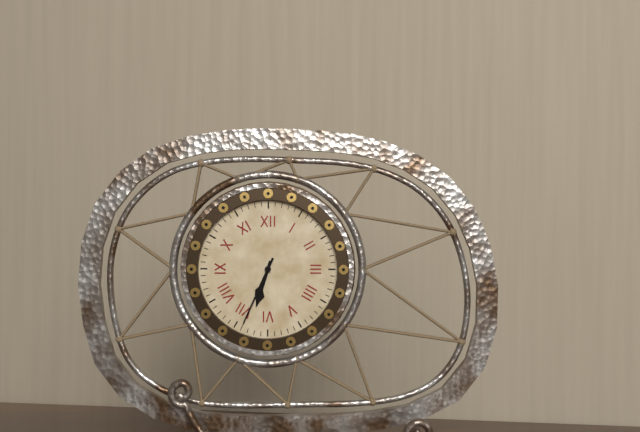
{"hour": 6, "minute": 34}
